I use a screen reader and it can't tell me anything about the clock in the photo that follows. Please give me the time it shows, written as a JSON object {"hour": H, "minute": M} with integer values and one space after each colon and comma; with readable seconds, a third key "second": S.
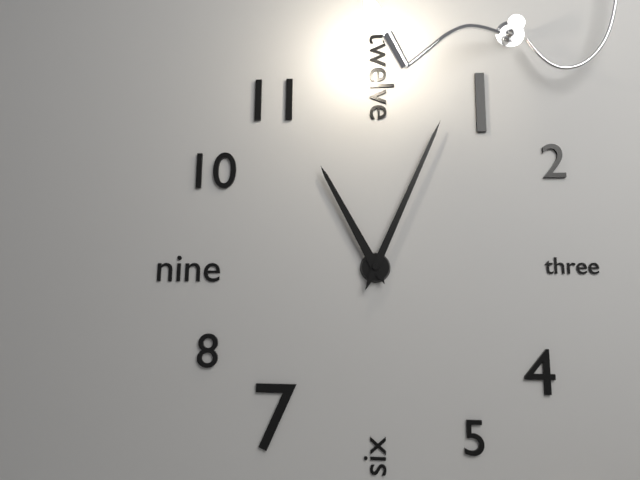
{"hour": 11, "minute": 4}
